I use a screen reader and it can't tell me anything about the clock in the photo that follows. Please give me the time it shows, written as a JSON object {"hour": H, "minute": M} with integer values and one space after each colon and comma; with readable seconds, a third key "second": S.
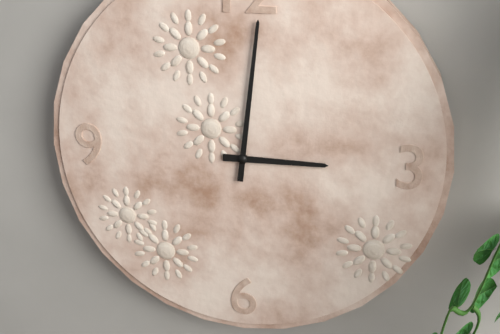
{"hour": 3, "minute": 1}
